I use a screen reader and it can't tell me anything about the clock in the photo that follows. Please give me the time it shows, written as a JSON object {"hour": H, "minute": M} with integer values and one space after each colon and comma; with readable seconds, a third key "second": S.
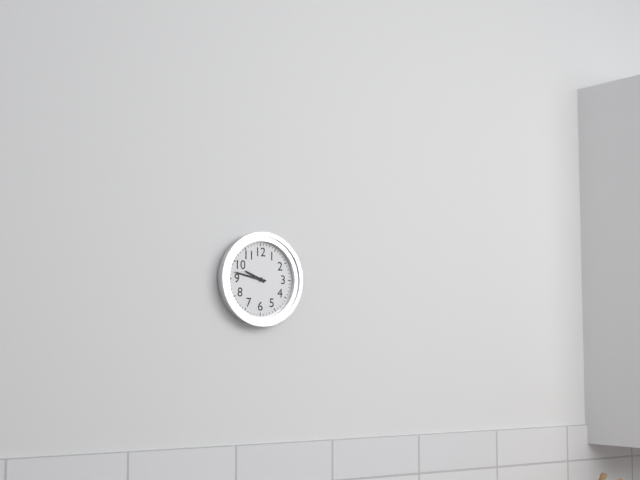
{"hour": 9, "minute": 47}
